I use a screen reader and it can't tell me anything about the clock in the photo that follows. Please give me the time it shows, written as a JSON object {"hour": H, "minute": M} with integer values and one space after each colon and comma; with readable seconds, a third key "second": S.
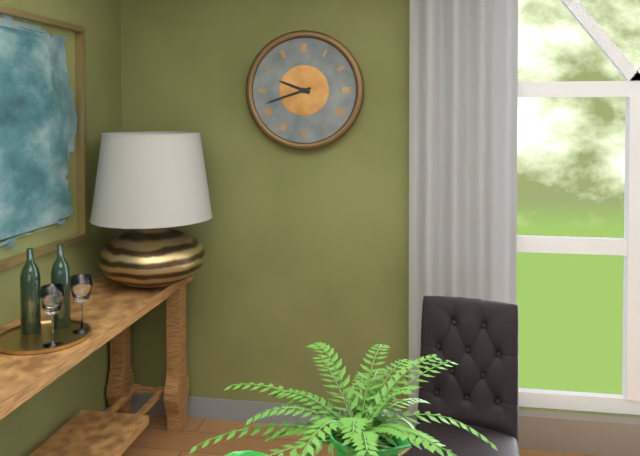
{"hour": 9, "minute": 42}
